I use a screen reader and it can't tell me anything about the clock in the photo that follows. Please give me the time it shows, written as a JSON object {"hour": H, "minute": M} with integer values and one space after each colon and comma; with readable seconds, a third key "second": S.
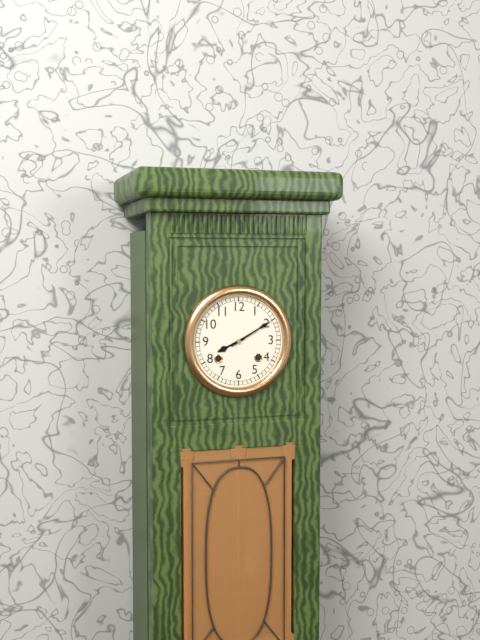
{"hour": 8, "minute": 10}
